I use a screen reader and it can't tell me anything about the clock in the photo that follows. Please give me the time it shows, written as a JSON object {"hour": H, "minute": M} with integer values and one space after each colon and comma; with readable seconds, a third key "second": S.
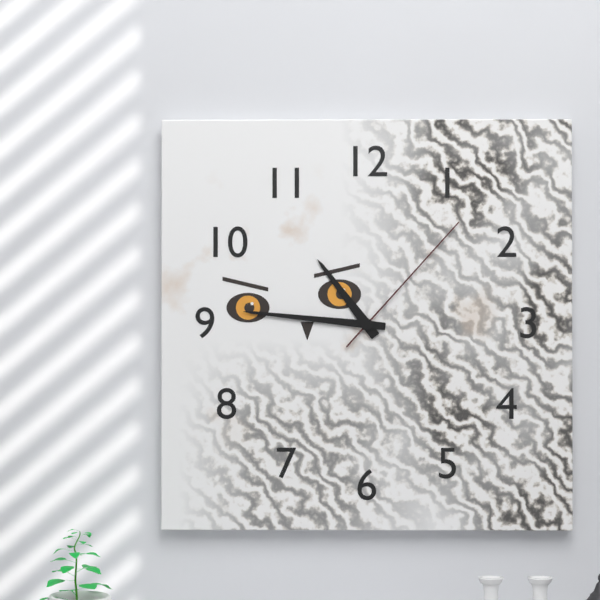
{"hour": 10, "minute": 46, "second": 7}
